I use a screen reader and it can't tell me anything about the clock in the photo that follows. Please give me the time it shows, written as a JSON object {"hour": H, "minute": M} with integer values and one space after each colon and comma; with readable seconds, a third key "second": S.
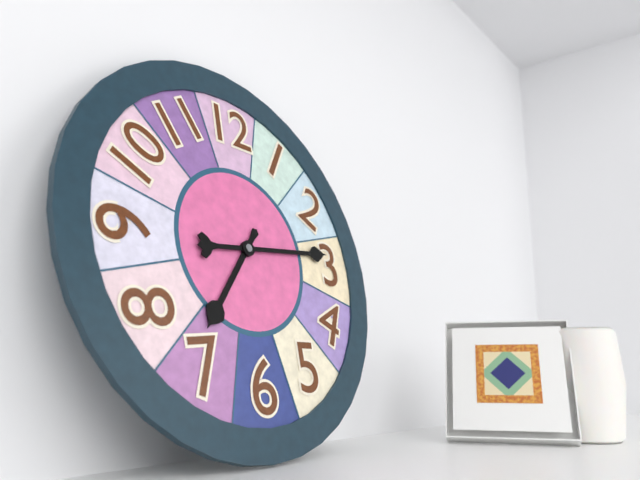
{"hour": 7, "minute": 14}
